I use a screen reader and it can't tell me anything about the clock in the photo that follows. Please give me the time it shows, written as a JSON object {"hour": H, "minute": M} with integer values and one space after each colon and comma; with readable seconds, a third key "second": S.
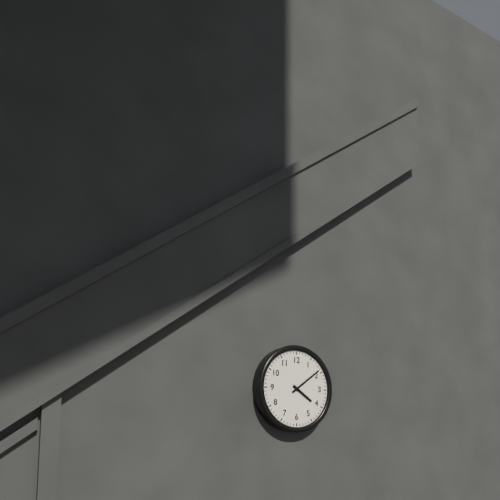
{"hour": 4, "minute": 9}
